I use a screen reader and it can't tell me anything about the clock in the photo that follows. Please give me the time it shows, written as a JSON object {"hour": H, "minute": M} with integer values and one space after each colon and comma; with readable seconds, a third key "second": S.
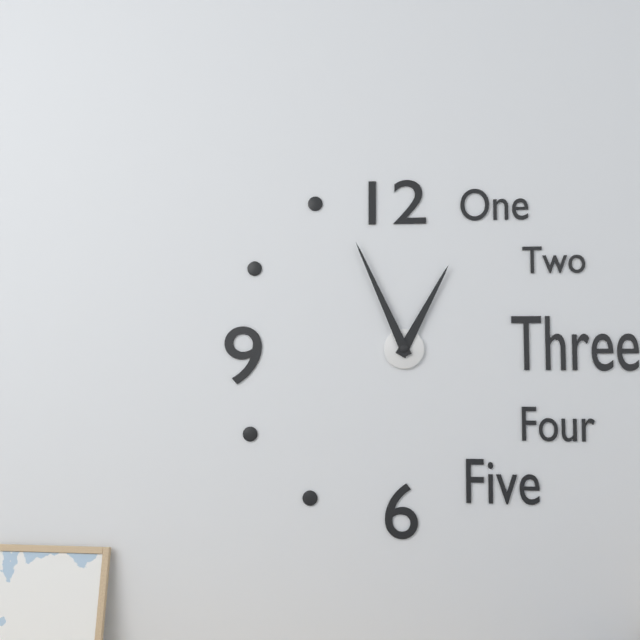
{"hour": 12, "minute": 56}
